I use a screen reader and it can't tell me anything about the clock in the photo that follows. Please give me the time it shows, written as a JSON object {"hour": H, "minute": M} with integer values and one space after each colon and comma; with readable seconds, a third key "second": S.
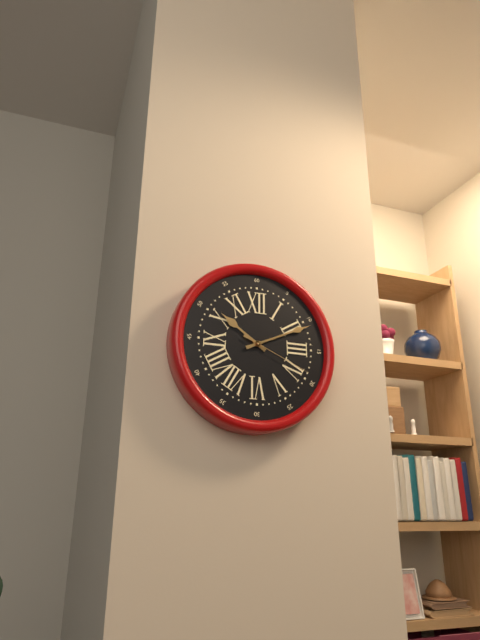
{"hour": 10, "minute": 11, "second": 19}
